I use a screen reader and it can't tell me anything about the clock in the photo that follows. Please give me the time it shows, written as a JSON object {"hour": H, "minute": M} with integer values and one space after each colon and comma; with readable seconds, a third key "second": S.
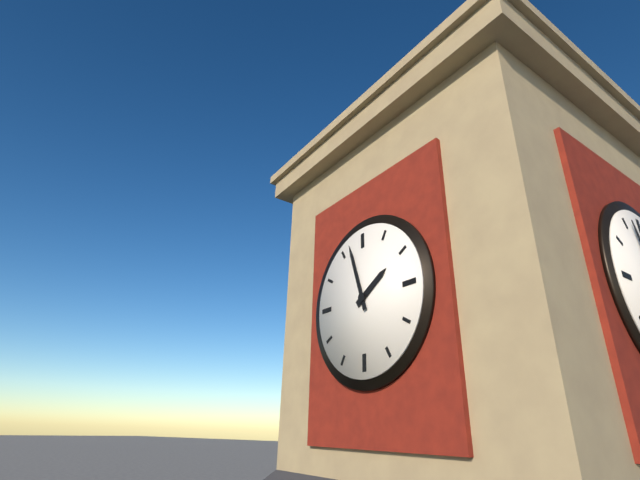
{"hour": 1, "minute": 57}
